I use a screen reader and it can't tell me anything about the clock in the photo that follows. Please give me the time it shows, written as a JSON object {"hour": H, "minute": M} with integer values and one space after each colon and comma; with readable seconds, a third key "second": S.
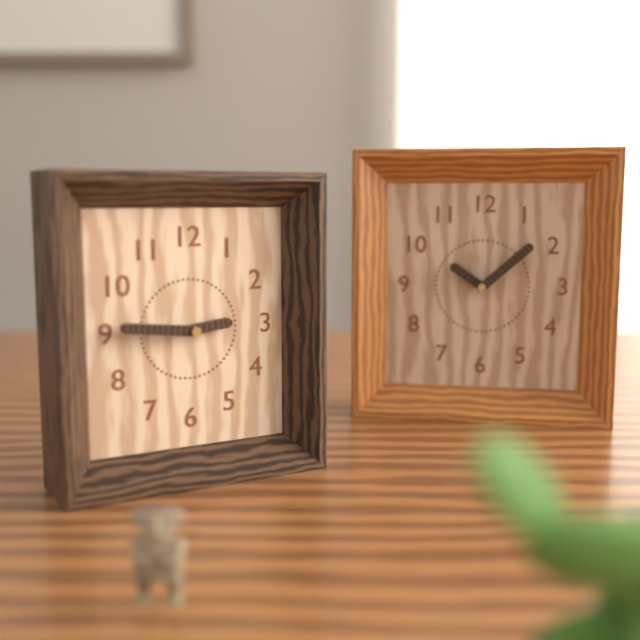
{"hour": 2, "minute": 46}
